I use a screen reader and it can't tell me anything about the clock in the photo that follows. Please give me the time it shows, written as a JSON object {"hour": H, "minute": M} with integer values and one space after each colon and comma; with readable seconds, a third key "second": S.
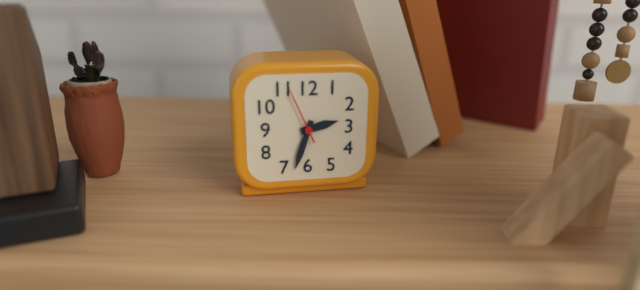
{"hour": 2, "minute": 33}
